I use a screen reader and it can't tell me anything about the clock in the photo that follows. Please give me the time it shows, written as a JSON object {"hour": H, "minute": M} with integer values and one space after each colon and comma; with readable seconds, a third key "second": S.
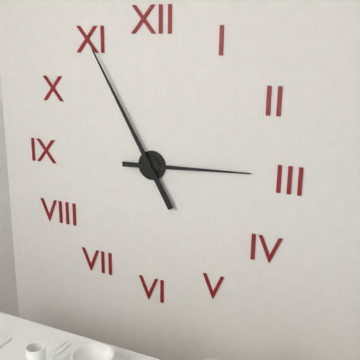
{"hour": 2, "minute": 55}
